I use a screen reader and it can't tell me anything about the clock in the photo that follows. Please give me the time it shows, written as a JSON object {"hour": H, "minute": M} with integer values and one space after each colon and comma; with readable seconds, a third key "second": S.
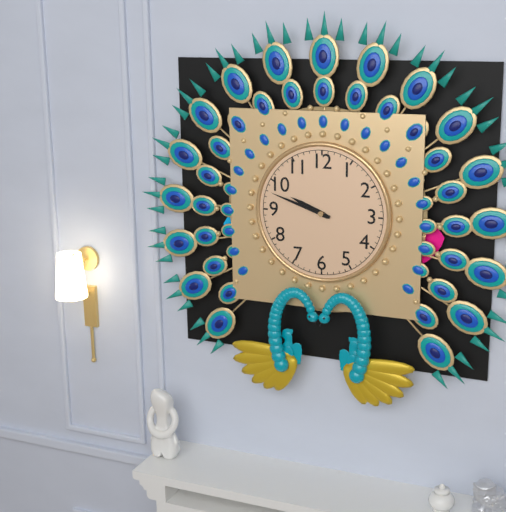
{"hour": 9, "minute": 48}
